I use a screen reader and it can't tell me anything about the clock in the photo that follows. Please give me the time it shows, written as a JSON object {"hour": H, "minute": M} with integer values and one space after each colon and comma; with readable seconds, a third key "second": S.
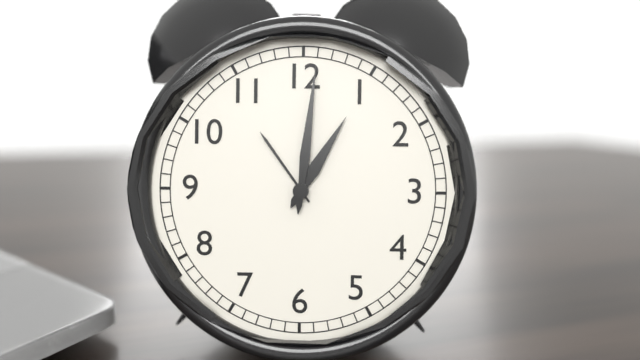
{"hour": 1, "minute": 1}
